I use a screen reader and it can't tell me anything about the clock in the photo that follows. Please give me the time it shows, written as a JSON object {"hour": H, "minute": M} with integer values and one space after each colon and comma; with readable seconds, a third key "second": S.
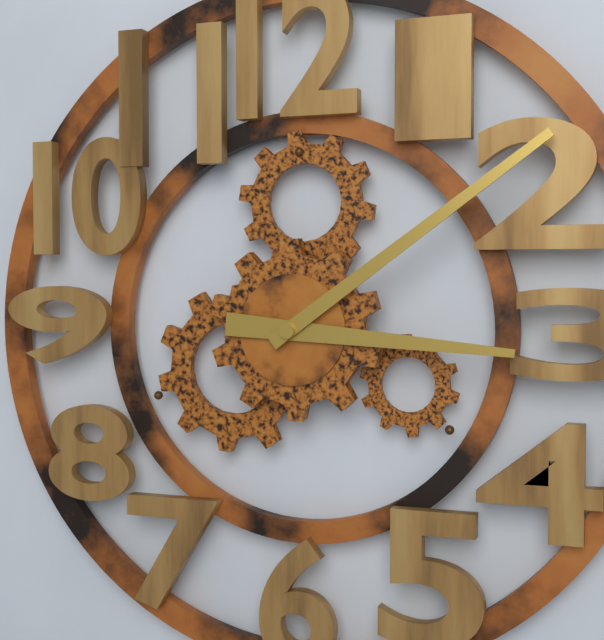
{"hour": 3, "minute": 9}
